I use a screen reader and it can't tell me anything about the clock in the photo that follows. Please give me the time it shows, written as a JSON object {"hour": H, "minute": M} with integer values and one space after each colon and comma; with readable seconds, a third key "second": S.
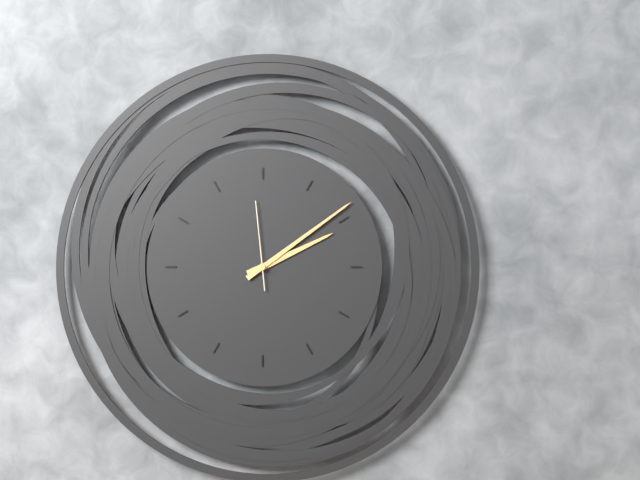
{"hour": 2, "minute": 9, "second": 59}
